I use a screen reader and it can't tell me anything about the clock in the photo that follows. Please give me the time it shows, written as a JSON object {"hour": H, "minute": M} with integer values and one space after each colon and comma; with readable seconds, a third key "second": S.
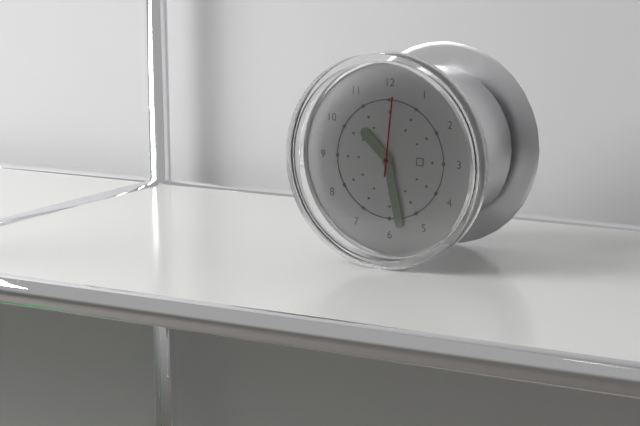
{"hour": 10, "minute": 28, "second": 1}
